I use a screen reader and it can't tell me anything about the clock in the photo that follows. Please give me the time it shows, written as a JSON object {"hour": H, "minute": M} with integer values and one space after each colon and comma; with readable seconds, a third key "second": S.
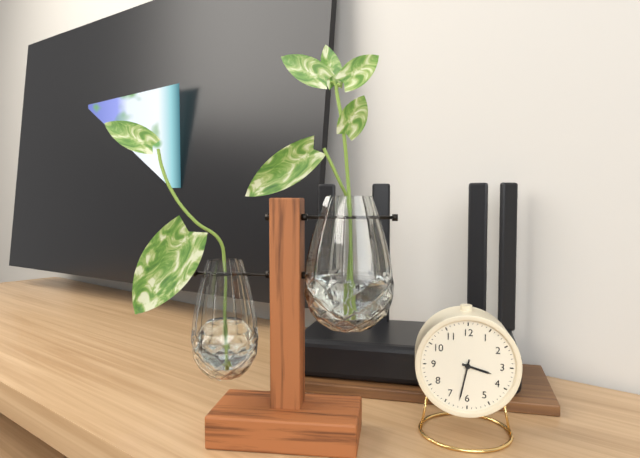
{"hour": 3, "minute": 32}
